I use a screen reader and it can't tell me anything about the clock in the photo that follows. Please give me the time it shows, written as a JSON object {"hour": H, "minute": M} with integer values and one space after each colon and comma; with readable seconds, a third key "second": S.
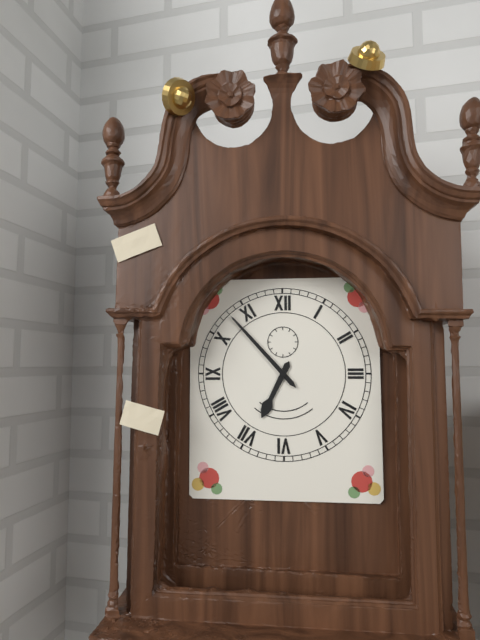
{"hour": 6, "minute": 53}
